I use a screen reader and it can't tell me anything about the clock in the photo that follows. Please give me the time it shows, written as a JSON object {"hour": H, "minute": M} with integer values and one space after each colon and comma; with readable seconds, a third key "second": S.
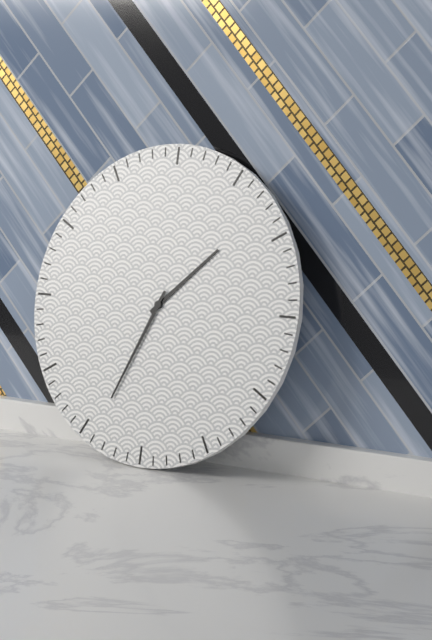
{"hour": 1, "minute": 34}
